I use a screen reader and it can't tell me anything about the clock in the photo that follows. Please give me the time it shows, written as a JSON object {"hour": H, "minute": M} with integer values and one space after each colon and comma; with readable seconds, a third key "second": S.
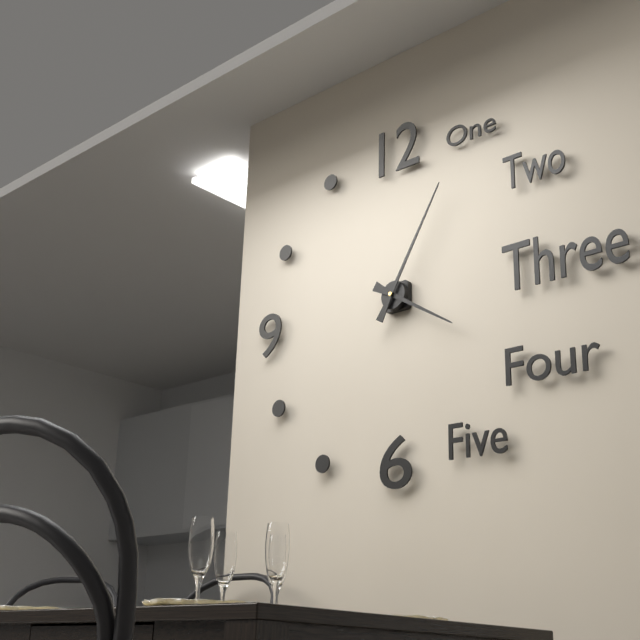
{"hour": 4, "minute": 5}
